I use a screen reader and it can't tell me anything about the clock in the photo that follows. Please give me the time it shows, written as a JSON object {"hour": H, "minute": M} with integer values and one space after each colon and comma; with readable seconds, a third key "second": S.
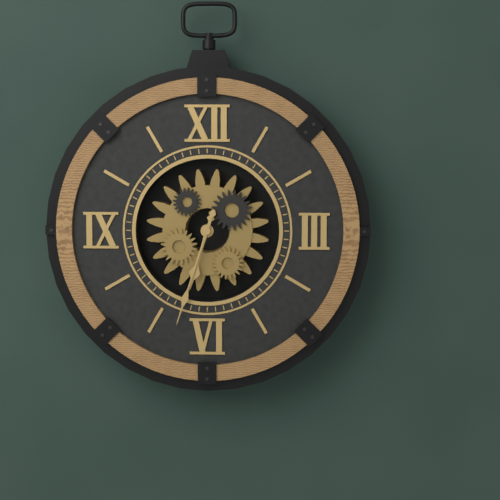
{"hour": 6, "minute": 33}
